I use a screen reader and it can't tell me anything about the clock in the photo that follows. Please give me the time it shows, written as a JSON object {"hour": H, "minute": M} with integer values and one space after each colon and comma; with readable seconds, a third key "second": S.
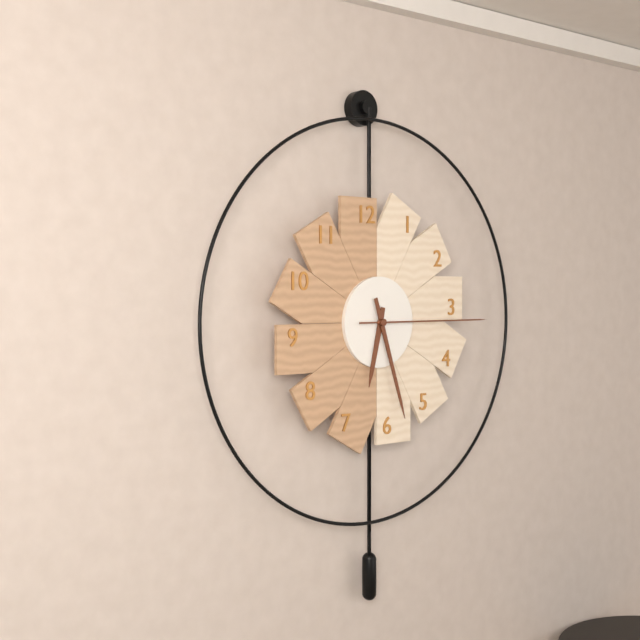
{"hour": 6, "minute": 27, "second": 15}
